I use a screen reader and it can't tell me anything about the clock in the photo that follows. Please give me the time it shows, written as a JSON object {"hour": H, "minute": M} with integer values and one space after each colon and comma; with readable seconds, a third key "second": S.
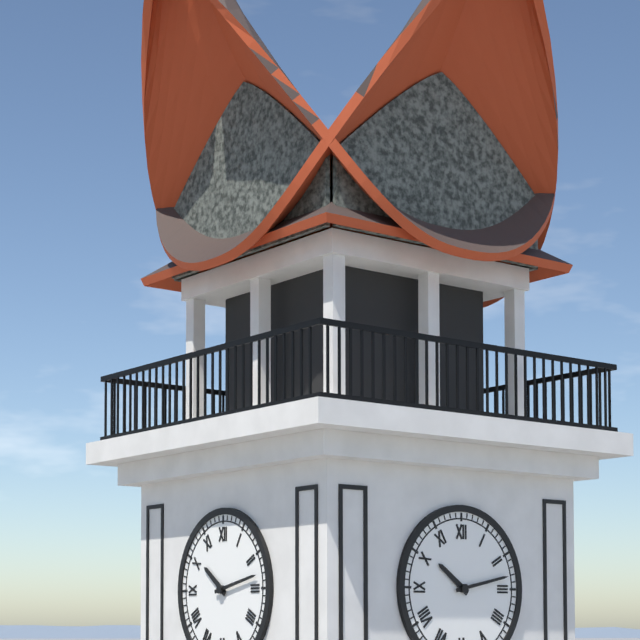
{"hour": 10, "minute": 13}
